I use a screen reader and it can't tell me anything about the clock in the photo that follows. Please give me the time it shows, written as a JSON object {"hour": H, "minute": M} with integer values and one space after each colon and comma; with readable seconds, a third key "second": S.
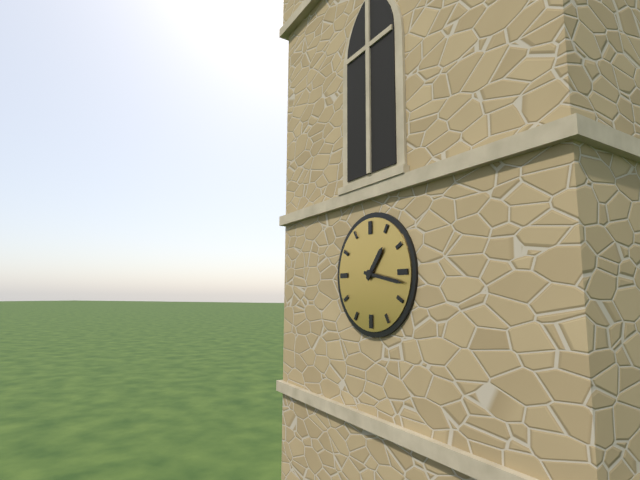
{"hour": 1, "minute": 17}
